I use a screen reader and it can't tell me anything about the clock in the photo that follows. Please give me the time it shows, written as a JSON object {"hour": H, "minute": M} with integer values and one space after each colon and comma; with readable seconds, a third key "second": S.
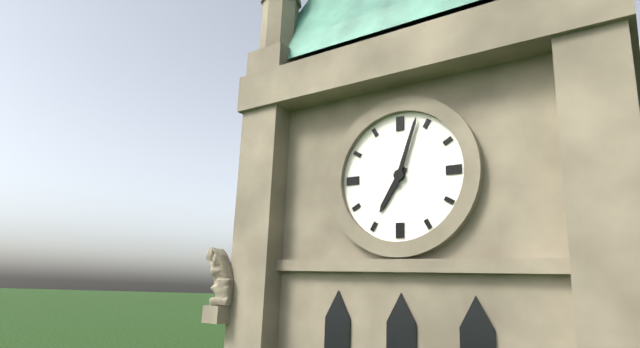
{"hour": 7, "minute": 3}
